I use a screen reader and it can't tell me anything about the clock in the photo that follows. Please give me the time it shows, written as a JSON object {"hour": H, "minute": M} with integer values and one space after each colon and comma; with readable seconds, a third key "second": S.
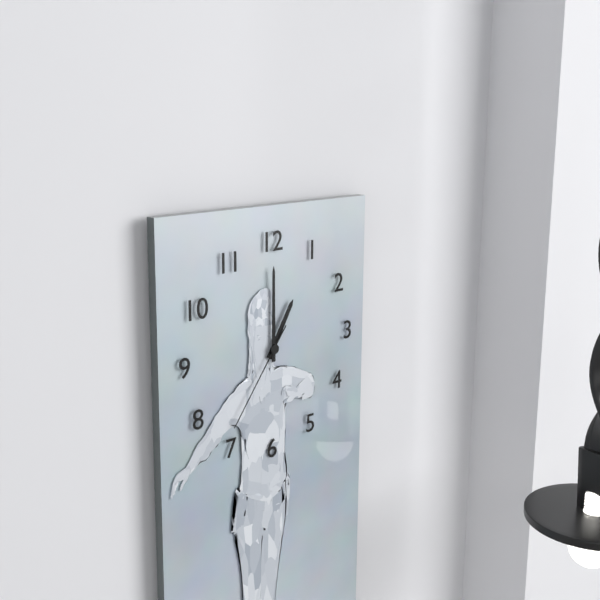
{"hour": 1, "minute": 0, "second": 36}
